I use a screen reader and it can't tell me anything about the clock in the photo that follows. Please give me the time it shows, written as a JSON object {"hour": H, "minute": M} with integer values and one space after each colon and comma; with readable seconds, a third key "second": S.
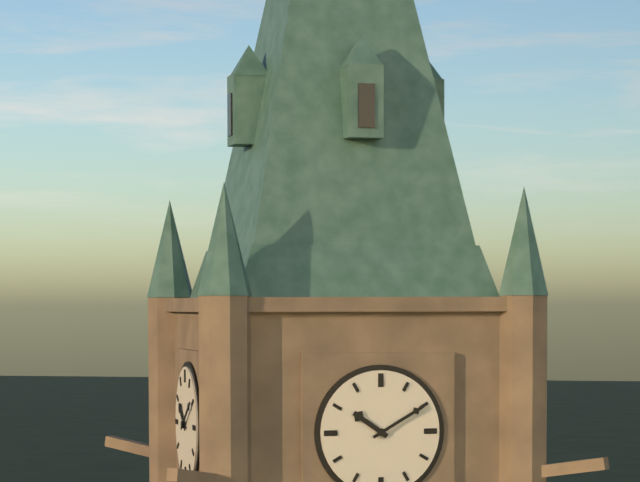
{"hour": 10, "minute": 10}
